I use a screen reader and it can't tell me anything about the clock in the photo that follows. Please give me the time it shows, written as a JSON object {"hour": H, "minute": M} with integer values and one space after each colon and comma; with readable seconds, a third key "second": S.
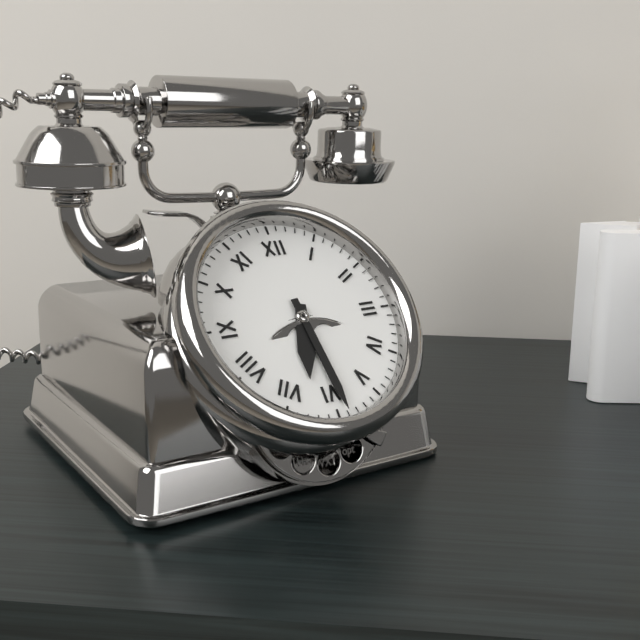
{"hour": 6, "minute": 29}
